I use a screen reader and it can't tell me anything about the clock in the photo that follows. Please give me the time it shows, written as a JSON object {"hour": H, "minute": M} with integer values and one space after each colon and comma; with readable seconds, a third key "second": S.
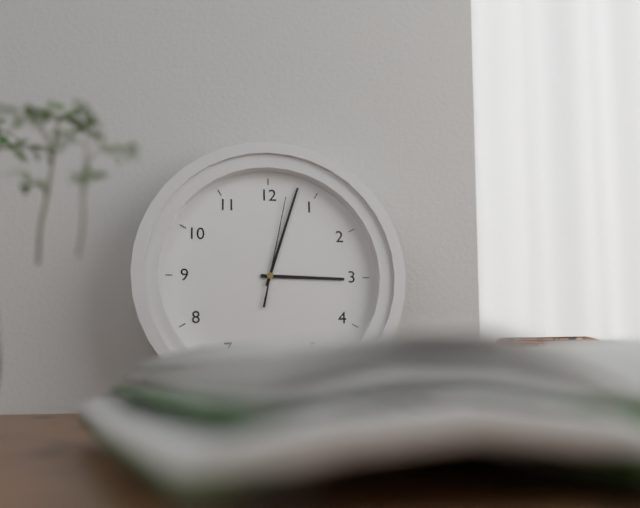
{"hour": 3, "minute": 3, "second": 2}
